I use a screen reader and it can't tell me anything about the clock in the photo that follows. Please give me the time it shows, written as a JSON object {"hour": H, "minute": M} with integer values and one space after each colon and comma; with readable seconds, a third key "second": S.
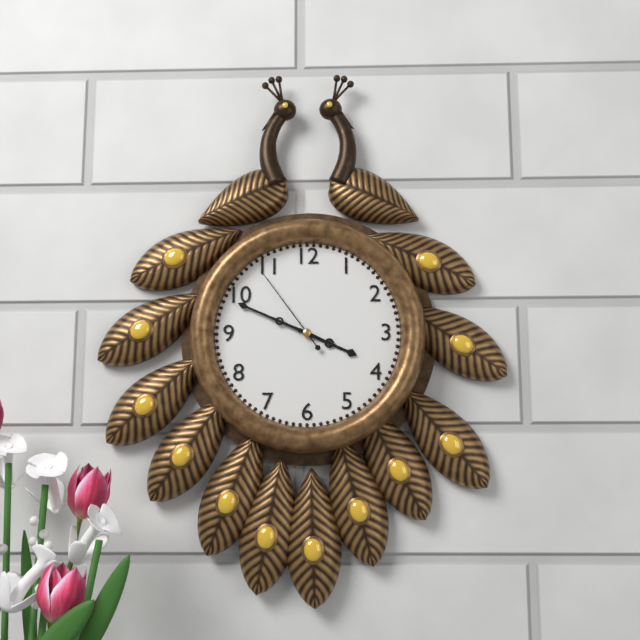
{"hour": 3, "minute": 49, "second": 54}
